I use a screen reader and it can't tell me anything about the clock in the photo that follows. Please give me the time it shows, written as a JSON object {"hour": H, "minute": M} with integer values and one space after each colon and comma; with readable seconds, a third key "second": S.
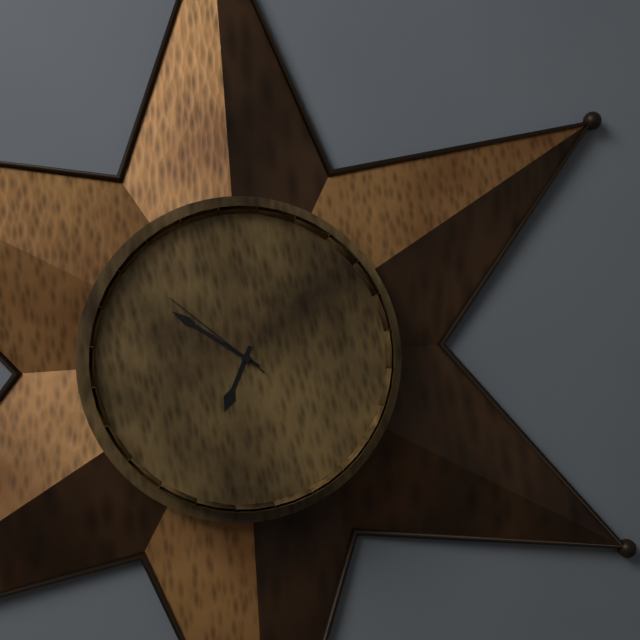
{"hour": 6, "minute": 51, "second": 52}
